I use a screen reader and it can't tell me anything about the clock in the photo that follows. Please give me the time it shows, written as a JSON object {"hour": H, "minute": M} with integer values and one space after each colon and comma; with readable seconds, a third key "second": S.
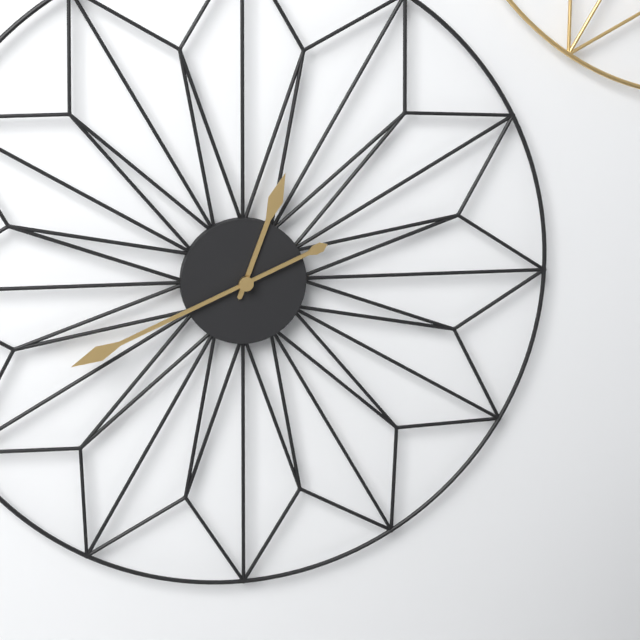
{"hour": 12, "minute": 41}
